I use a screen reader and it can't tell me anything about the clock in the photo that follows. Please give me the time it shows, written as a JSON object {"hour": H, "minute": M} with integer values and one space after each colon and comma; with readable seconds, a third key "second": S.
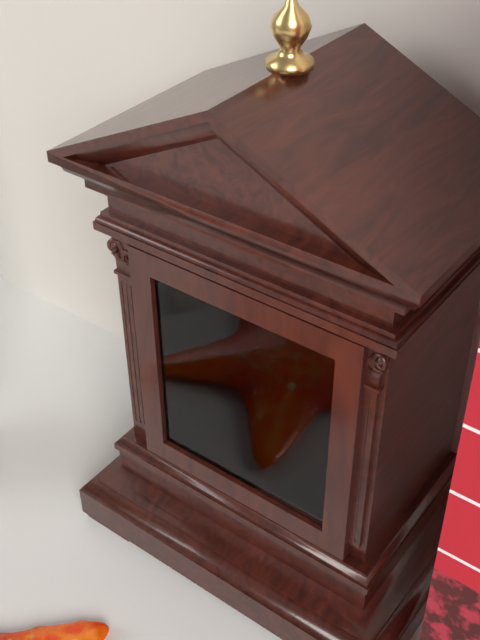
{"hour": 8, "minute": 40}
